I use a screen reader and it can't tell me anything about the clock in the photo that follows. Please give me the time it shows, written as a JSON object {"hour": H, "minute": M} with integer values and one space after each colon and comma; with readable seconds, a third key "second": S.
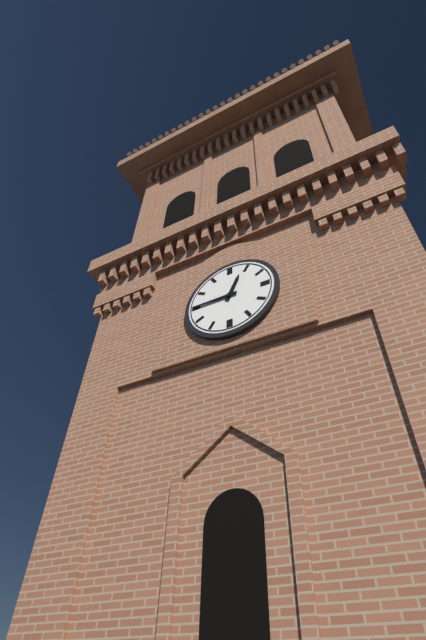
{"hour": 12, "minute": 45}
